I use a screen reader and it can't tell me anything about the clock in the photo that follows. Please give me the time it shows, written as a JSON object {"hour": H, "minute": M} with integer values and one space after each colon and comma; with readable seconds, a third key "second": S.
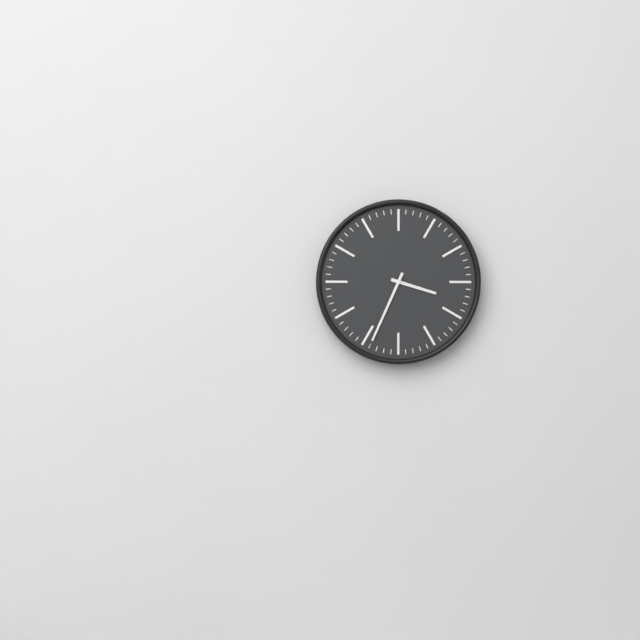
{"hour": 3, "minute": 34}
